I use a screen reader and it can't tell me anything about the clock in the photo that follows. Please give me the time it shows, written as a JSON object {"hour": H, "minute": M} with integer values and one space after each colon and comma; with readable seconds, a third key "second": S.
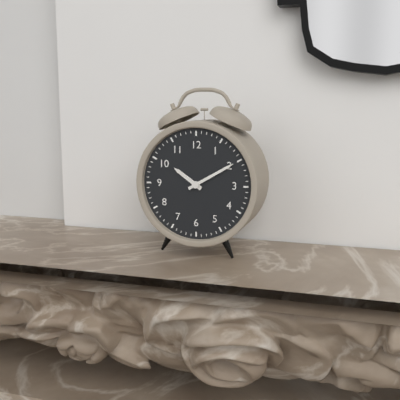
{"hour": 10, "minute": 10}
